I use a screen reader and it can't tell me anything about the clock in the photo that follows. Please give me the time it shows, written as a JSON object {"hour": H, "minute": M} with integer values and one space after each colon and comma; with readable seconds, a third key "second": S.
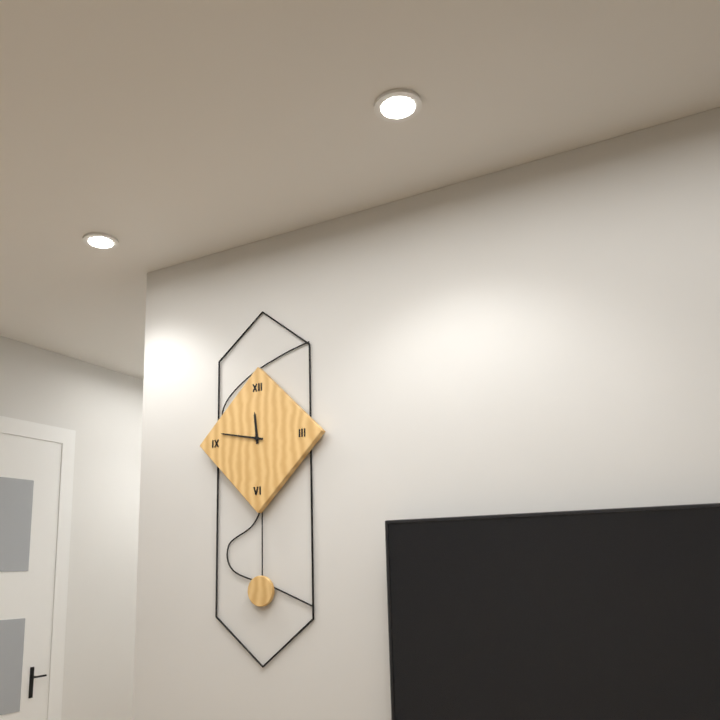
{"hour": 11, "minute": 47}
